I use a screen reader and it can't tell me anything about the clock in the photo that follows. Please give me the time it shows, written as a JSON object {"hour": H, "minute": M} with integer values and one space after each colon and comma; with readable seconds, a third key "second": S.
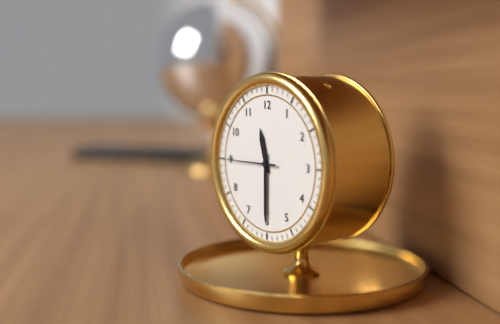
{"hour": 11, "minute": 30, "second": 45}
